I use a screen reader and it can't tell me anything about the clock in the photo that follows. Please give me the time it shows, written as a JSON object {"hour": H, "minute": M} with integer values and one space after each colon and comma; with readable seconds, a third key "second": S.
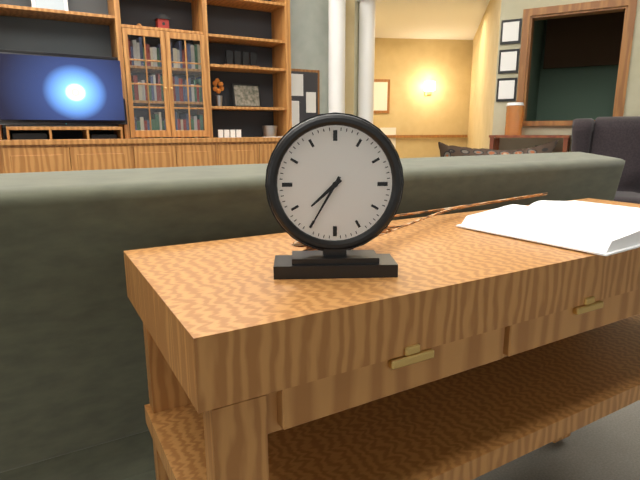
{"hour": 7, "minute": 35}
